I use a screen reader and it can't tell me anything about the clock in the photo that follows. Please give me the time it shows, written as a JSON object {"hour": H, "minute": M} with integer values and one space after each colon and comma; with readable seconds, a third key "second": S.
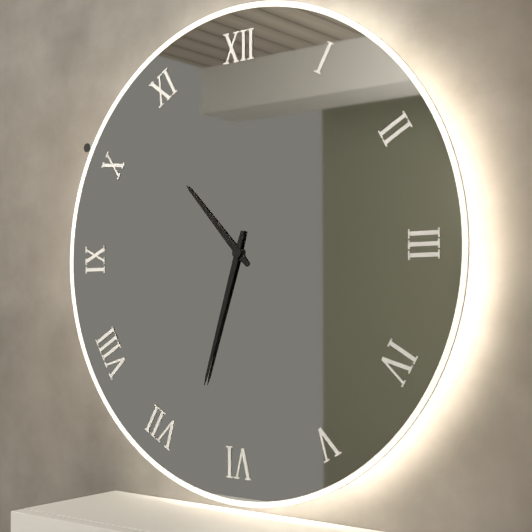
{"hour": 10, "minute": 33}
